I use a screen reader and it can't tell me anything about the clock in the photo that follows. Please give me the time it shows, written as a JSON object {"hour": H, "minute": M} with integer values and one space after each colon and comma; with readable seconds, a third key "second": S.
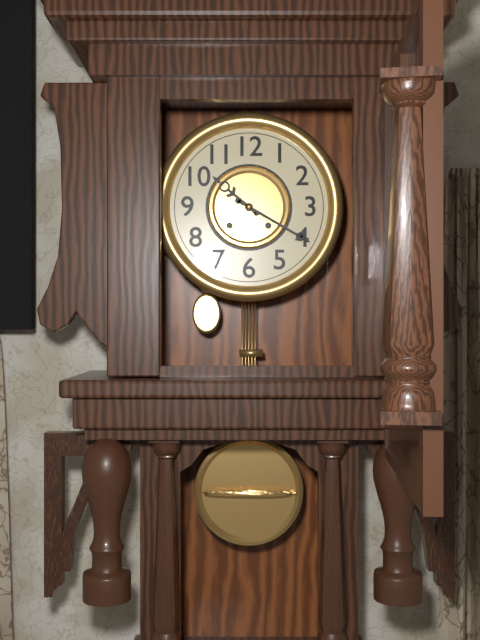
{"hour": 10, "minute": 20}
